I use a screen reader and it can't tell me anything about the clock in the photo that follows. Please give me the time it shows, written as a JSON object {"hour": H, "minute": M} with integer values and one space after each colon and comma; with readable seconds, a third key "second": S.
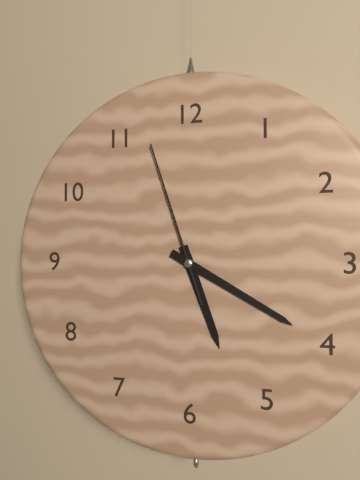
{"hour": 5, "minute": 20, "second": 57}
